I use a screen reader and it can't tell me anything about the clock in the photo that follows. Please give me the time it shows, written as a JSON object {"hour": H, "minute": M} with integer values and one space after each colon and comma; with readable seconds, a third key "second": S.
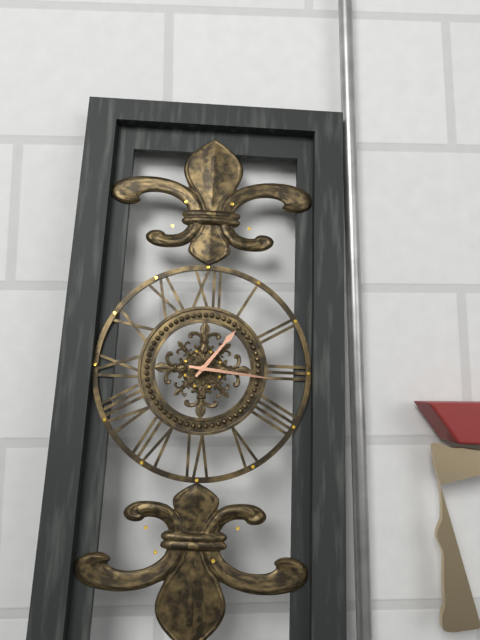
{"hour": 1, "minute": 16}
